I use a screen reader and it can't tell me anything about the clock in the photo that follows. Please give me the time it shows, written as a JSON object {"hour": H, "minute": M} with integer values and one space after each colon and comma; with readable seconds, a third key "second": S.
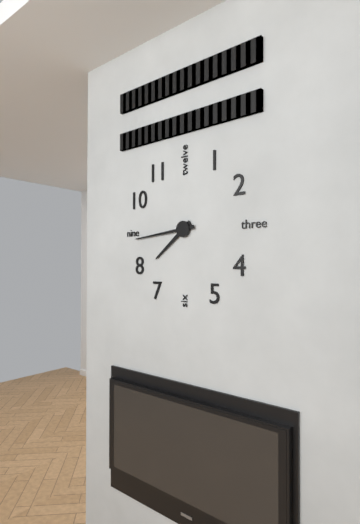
{"hour": 7, "minute": 44}
